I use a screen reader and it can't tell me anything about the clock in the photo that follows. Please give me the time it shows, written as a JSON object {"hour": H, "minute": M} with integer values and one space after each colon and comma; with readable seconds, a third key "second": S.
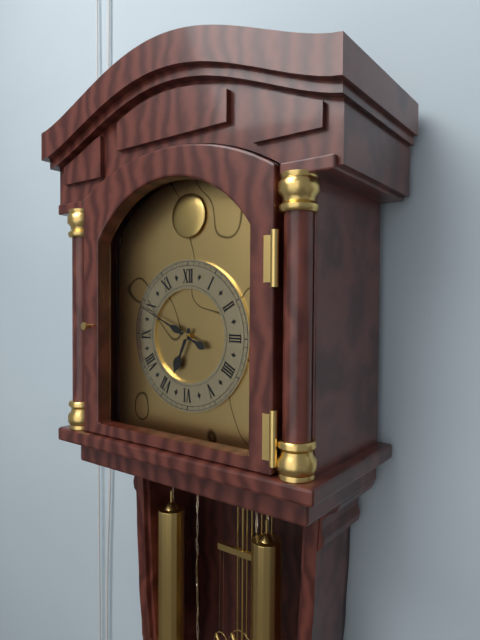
{"hour": 6, "minute": 49}
